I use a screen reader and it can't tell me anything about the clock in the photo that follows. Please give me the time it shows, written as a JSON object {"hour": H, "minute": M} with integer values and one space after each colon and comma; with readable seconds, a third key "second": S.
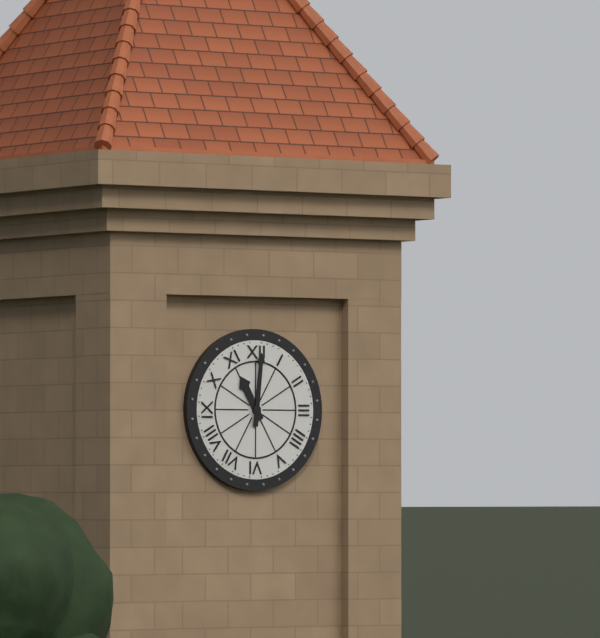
{"hour": 11, "minute": 1}
